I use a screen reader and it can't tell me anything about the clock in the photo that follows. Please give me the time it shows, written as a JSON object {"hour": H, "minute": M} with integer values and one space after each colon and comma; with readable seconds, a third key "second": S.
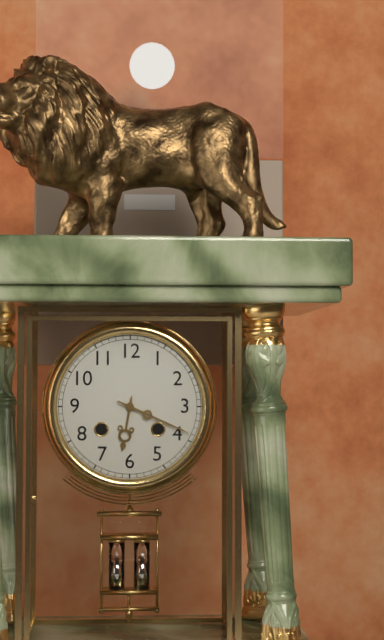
{"hour": 6, "minute": 19}
